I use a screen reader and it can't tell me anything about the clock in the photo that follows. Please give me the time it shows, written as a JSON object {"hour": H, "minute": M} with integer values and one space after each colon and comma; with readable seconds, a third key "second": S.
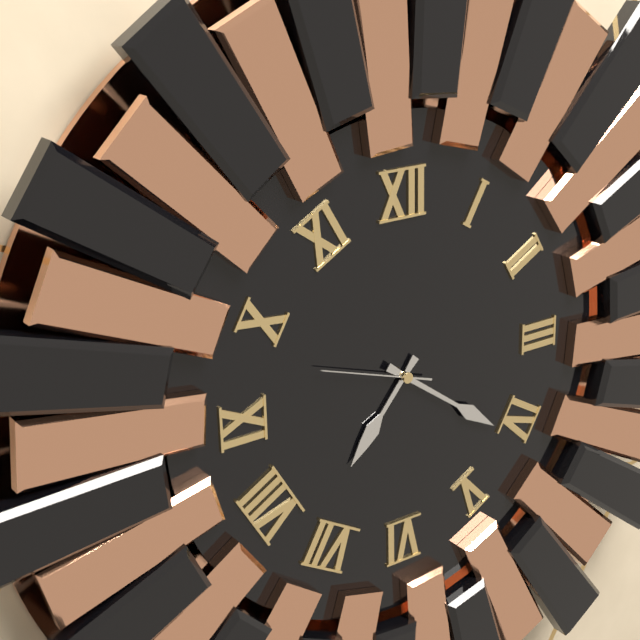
{"hour": 7, "minute": 21, "second": 48}
